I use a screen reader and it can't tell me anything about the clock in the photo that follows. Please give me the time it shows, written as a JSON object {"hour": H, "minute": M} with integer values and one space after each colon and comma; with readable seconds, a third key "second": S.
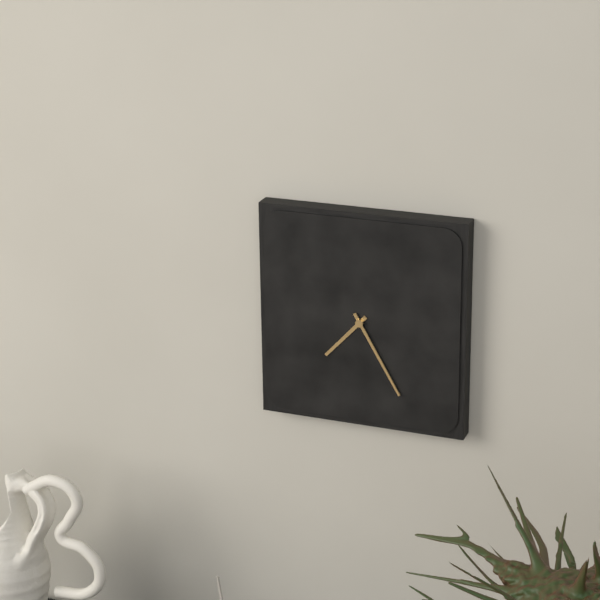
{"hour": 7, "minute": 25}
